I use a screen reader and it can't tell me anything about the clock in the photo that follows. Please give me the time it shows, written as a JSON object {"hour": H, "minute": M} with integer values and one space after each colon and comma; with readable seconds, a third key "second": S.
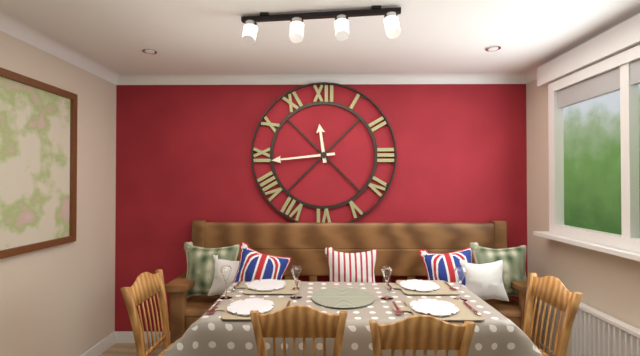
{"hour": 11, "minute": 44}
